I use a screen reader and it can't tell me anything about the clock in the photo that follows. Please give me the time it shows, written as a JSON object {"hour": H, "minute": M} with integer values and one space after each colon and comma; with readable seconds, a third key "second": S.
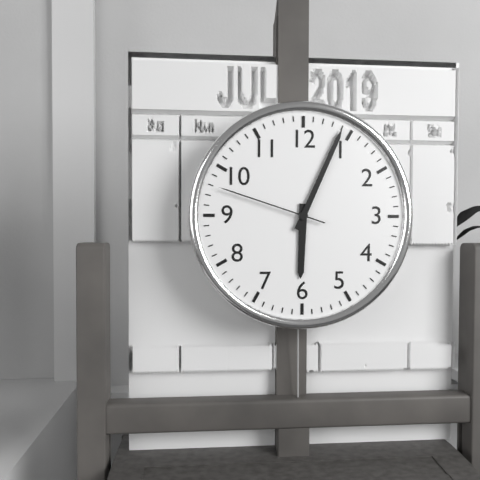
{"hour": 6, "minute": 4, "second": 48}
